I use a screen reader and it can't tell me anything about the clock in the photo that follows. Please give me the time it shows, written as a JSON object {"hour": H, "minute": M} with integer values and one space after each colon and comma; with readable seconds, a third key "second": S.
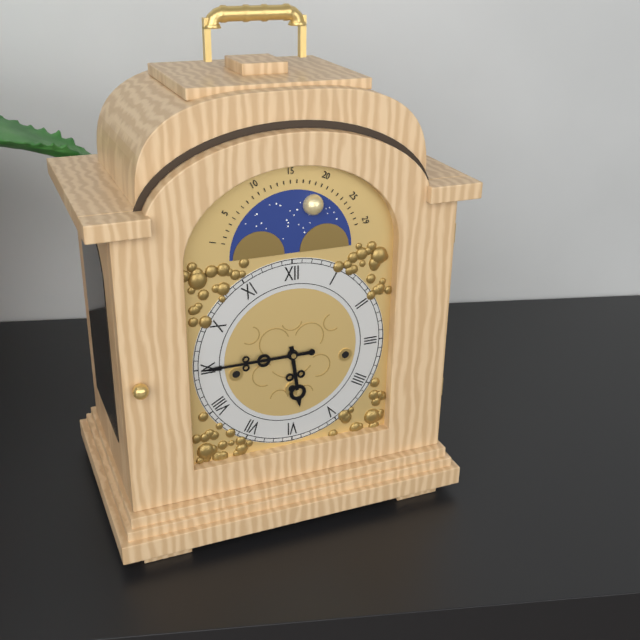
{"hour": 5, "minute": 45}
